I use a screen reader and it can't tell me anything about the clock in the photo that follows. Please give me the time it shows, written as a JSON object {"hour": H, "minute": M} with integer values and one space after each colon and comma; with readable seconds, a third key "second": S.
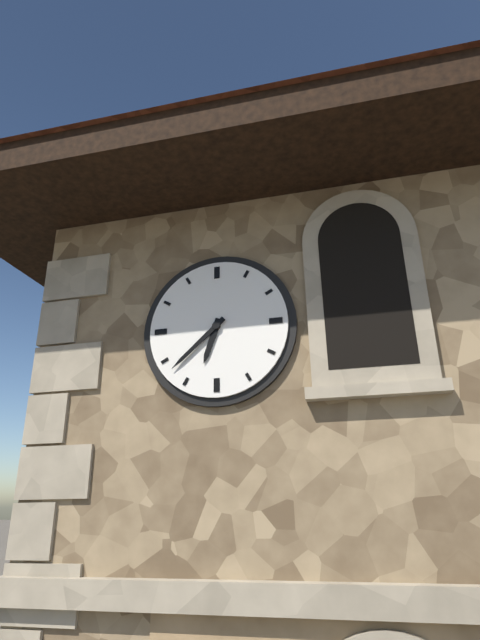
{"hour": 6, "minute": 38}
